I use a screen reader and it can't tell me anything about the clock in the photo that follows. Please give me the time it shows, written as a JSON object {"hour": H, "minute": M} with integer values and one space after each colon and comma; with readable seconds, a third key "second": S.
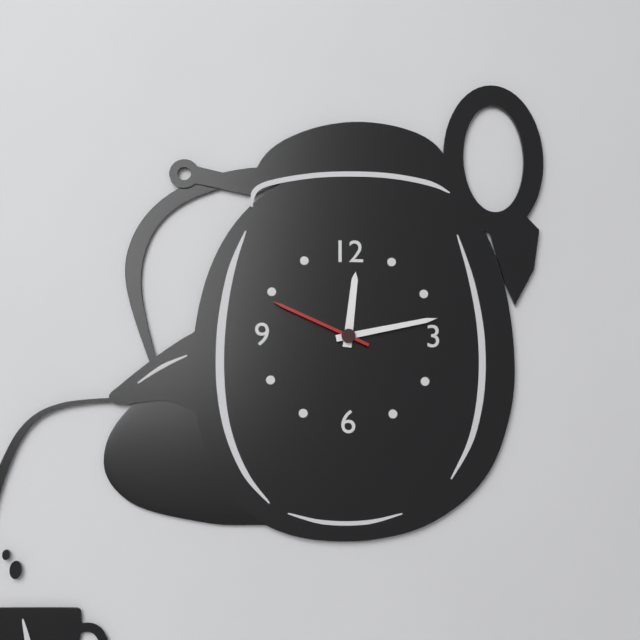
{"hour": 12, "minute": 13, "second": 49}
